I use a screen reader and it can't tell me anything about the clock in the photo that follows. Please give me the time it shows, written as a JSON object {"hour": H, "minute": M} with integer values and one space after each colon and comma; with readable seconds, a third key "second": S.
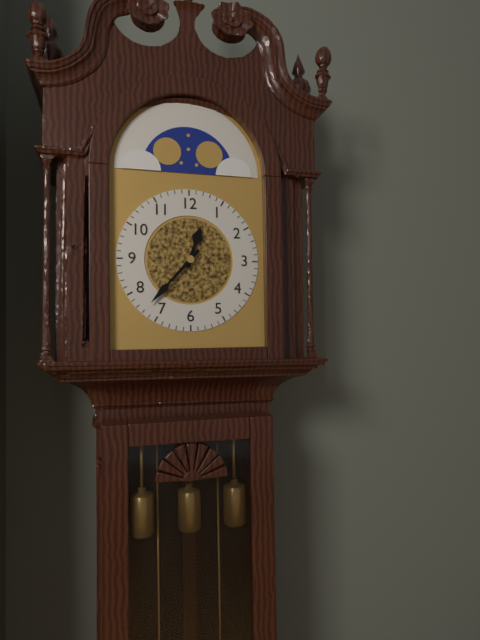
{"hour": 12, "minute": 37}
